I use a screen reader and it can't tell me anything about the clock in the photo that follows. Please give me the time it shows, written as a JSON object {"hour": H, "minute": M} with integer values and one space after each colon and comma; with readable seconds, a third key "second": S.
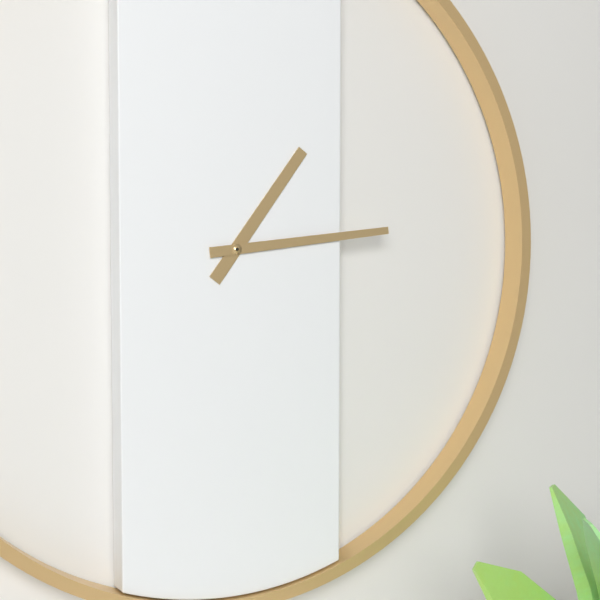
{"hour": 1, "minute": 14}
